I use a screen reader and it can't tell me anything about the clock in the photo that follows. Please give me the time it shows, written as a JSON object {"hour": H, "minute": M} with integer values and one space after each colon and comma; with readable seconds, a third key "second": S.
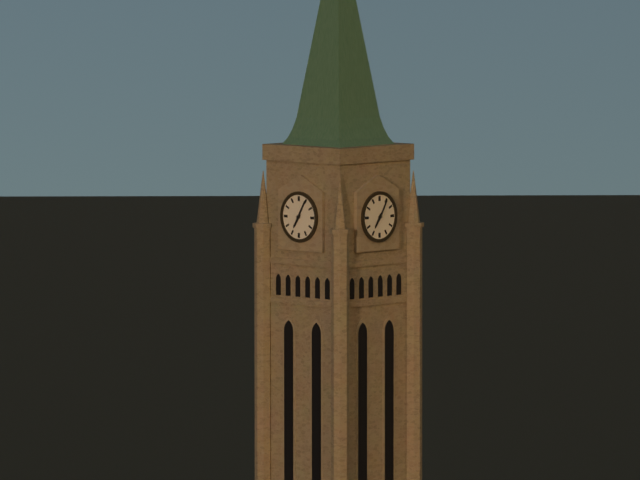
{"hour": 7, "minute": 5}
